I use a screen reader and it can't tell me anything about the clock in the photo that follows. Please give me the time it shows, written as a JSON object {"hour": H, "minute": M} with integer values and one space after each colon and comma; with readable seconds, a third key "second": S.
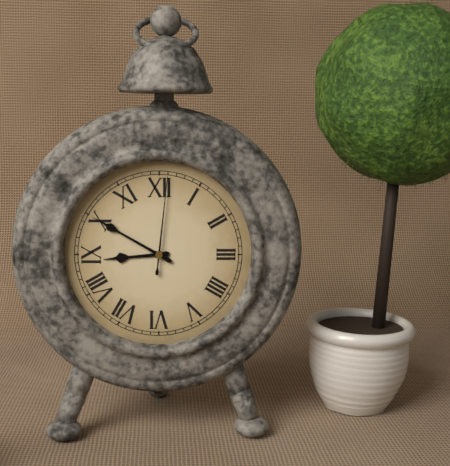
{"hour": 8, "minute": 50, "second": 1}
